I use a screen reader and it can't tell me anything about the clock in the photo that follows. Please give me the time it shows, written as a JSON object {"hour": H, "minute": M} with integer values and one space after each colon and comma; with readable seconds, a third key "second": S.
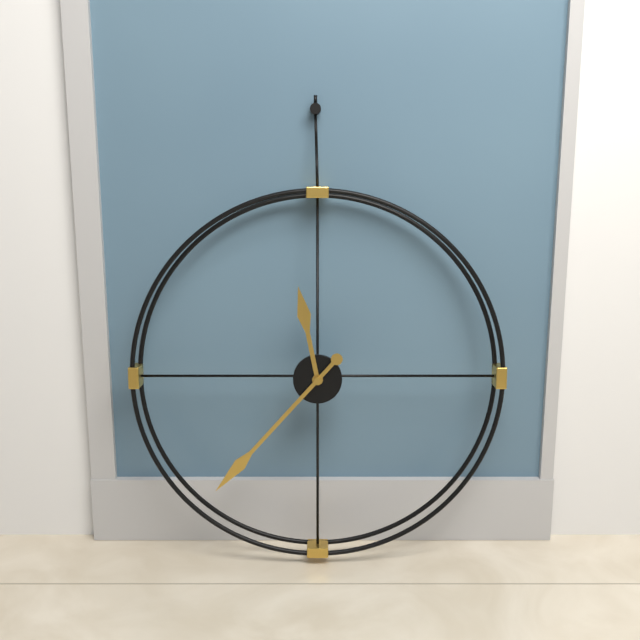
{"hour": 11, "minute": 37}
